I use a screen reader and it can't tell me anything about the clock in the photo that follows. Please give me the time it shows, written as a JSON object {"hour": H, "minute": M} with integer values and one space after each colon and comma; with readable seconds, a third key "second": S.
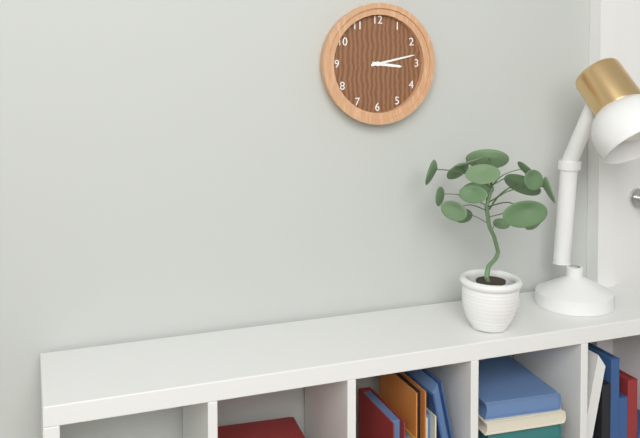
{"hour": 3, "minute": 13}
